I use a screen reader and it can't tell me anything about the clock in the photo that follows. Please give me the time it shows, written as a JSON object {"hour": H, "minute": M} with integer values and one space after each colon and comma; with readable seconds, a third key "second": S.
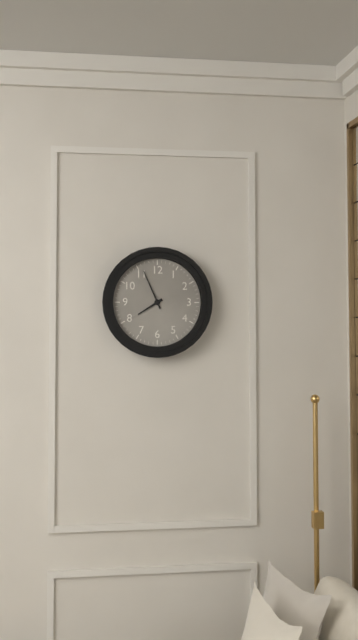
{"hour": 7, "minute": 56}
